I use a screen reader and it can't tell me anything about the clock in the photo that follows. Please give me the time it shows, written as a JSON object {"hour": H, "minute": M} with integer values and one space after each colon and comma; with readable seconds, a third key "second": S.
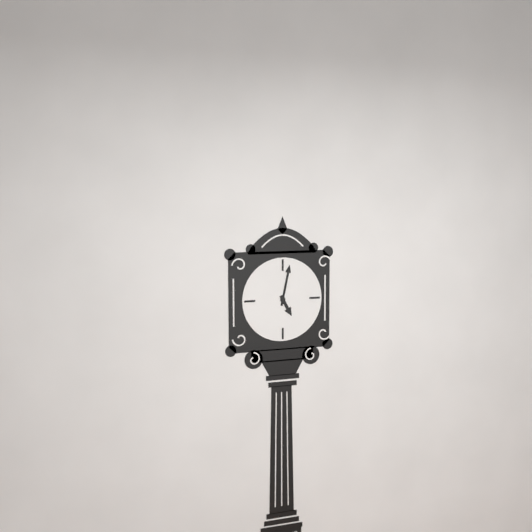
{"hour": 5, "minute": 2}
